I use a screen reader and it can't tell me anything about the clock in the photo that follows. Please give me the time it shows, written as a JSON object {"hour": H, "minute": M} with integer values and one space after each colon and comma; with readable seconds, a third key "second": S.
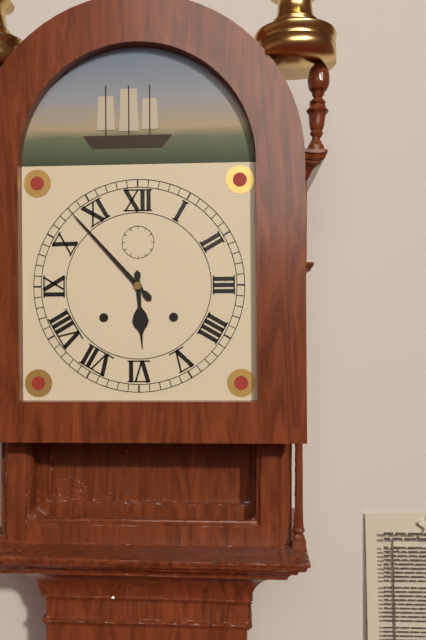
{"hour": 5, "minute": 53}
